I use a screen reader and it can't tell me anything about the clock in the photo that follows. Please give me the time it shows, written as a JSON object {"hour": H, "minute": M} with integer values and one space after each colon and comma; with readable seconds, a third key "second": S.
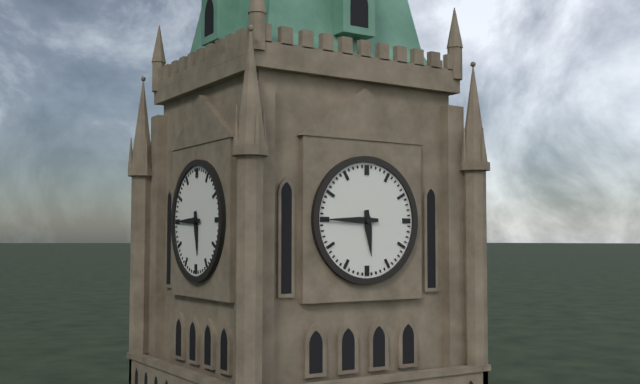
{"hour": 5, "minute": 45}
